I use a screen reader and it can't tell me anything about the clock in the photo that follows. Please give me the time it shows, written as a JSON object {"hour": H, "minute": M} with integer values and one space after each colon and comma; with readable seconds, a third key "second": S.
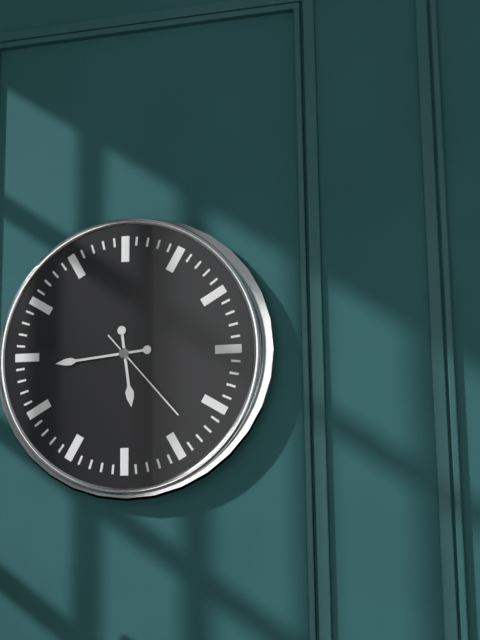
{"hour": 5, "minute": 44, "second": 23}
